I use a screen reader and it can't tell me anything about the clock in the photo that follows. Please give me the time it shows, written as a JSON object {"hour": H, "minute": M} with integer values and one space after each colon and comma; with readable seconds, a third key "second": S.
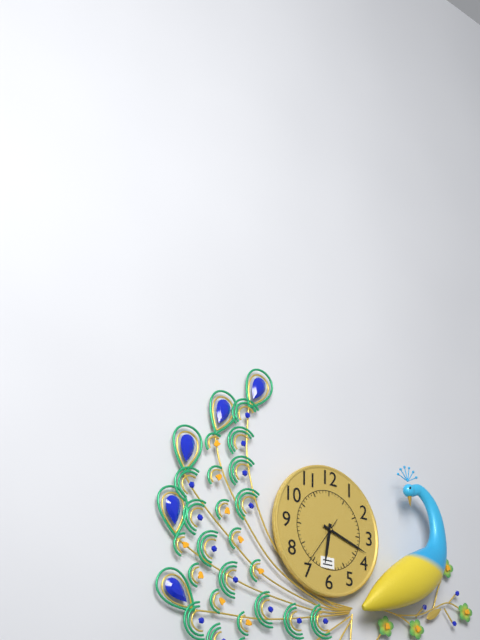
{"hour": 6, "minute": 18}
